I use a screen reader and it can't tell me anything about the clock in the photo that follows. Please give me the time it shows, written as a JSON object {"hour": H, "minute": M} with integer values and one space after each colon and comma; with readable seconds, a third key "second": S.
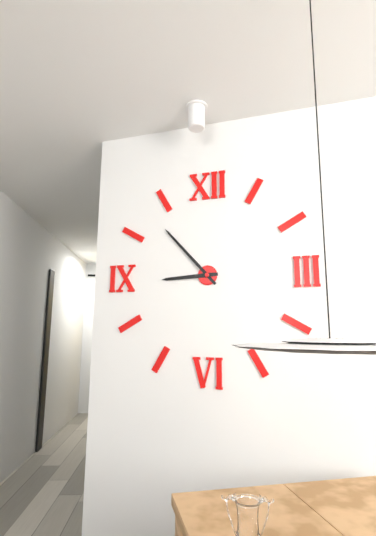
{"hour": 8, "minute": 53}
